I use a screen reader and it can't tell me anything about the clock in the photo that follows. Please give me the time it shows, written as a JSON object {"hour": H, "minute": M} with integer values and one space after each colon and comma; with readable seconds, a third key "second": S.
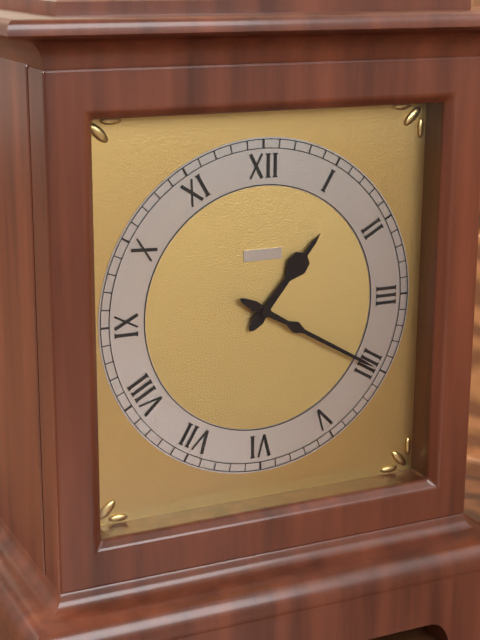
{"hour": 1, "minute": 20}
